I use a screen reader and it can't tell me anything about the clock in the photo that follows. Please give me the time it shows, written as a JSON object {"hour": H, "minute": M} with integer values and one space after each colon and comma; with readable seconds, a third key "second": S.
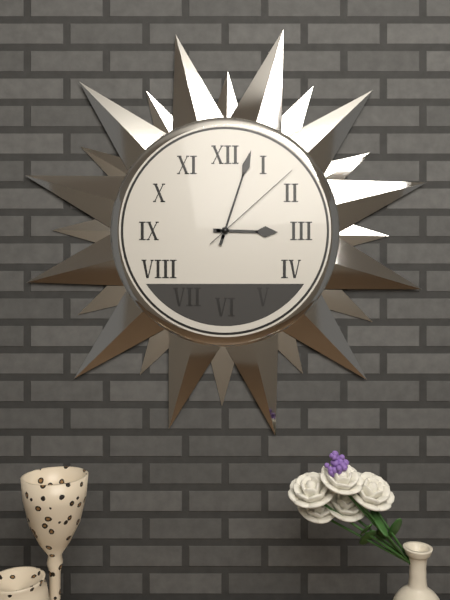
{"hour": 3, "minute": 3, "second": 8}
